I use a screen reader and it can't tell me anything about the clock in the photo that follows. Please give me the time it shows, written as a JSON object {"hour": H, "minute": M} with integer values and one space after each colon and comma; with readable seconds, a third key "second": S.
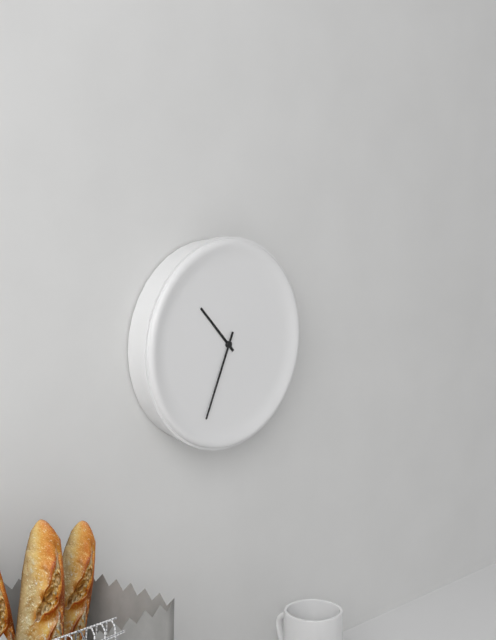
{"hour": 10, "minute": 34}
